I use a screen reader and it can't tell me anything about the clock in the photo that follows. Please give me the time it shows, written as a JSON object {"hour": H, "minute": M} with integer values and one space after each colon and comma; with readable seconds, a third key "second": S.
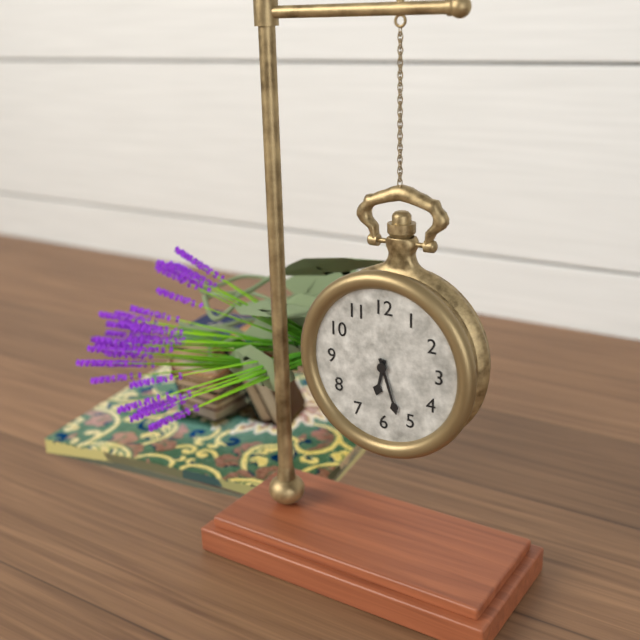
{"hour": 6, "minute": 27}
